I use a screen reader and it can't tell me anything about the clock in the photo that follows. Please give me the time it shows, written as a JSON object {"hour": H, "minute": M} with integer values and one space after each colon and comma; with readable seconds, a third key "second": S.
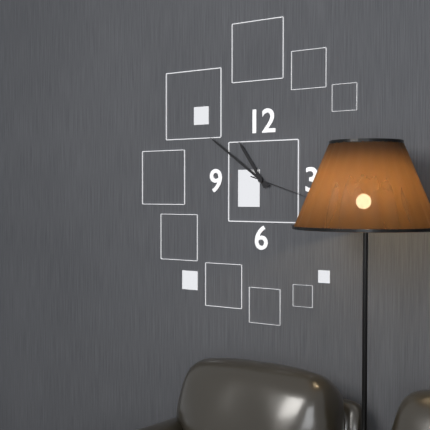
{"hour": 10, "minute": 51, "second": 18}
